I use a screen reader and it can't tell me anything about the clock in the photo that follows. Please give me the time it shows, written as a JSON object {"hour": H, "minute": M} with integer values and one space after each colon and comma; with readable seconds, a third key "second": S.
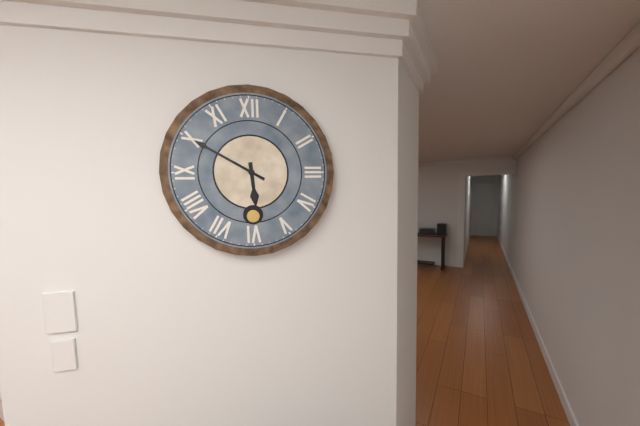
{"hour": 5, "minute": 50}
